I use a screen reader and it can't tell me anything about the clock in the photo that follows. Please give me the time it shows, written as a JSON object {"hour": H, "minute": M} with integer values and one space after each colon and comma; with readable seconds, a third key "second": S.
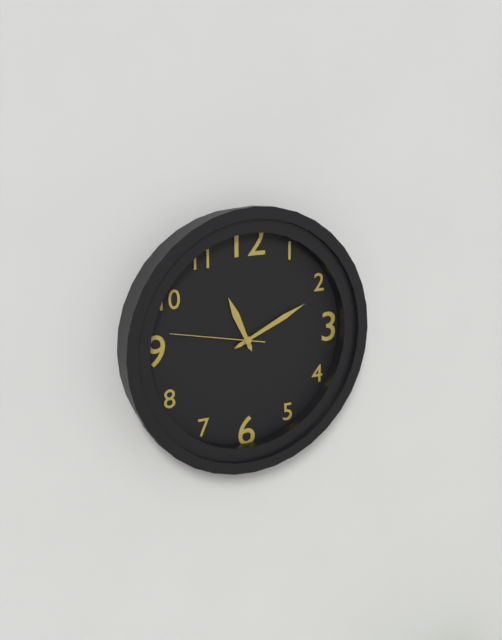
{"hour": 11, "minute": 11, "second": 47}
